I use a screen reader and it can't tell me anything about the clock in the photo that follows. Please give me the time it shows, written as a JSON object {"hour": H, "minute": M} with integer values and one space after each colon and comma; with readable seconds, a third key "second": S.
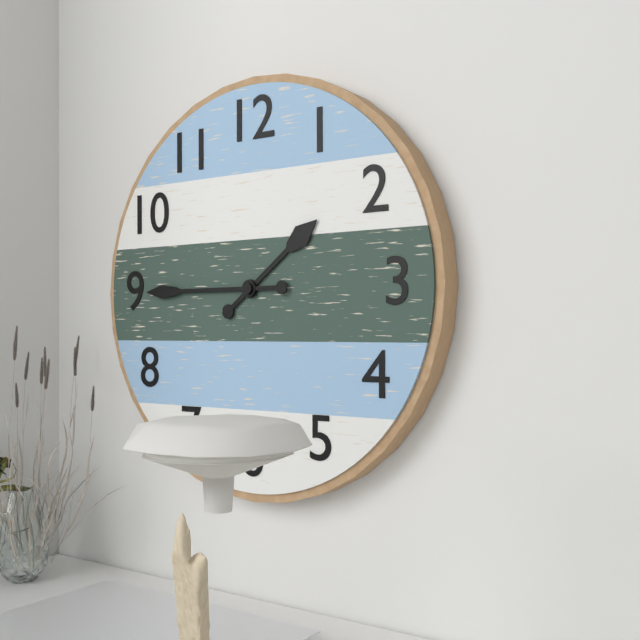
{"hour": 1, "minute": 45}
